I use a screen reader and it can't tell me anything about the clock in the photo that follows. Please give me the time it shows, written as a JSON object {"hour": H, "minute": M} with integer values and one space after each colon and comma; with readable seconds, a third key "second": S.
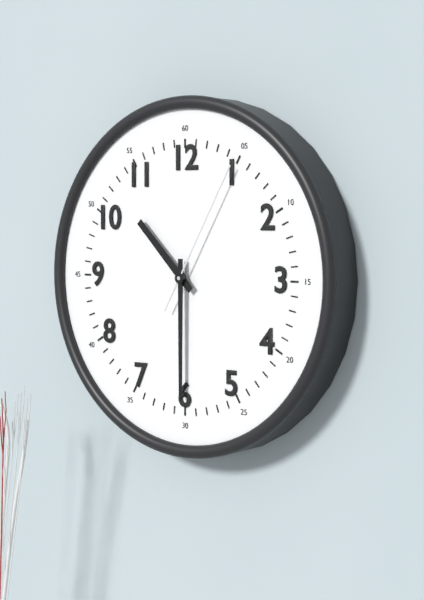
{"hour": 10, "minute": 30, "second": 5}
